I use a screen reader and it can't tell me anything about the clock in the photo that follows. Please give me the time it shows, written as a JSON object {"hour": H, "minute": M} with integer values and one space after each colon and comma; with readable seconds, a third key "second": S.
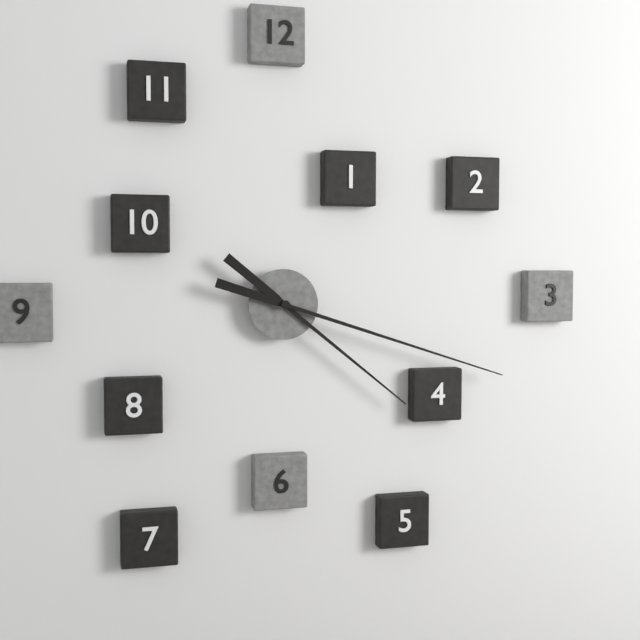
{"hour": 4, "minute": 18}
